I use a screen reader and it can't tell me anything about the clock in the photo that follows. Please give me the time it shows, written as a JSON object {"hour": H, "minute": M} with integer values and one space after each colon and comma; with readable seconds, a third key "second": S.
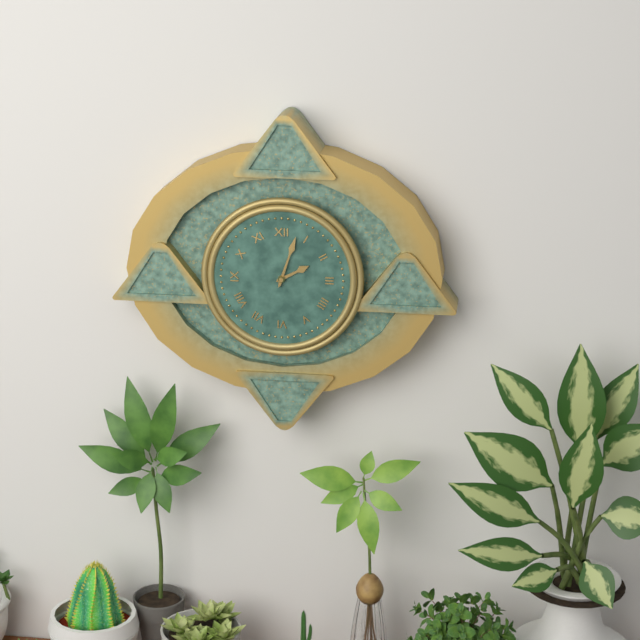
{"hour": 2, "minute": 3}
